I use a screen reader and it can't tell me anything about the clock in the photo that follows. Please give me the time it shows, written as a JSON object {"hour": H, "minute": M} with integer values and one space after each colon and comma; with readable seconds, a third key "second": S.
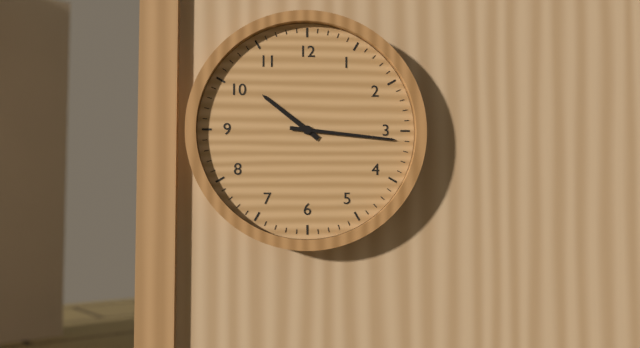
{"hour": 10, "minute": 16}
